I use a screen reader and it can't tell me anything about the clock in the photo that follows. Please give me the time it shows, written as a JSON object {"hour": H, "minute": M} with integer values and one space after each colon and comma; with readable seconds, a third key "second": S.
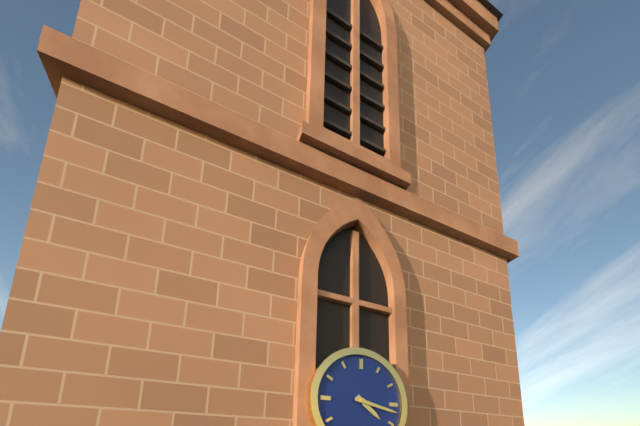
{"hour": 4, "minute": 17}
